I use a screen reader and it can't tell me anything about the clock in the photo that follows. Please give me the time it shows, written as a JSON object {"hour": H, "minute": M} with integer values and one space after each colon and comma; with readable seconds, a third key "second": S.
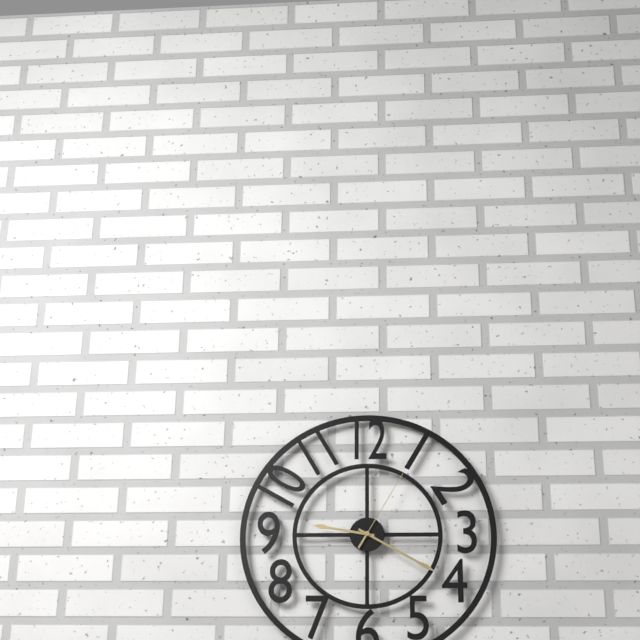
{"hour": 9, "minute": 20, "second": 5}
